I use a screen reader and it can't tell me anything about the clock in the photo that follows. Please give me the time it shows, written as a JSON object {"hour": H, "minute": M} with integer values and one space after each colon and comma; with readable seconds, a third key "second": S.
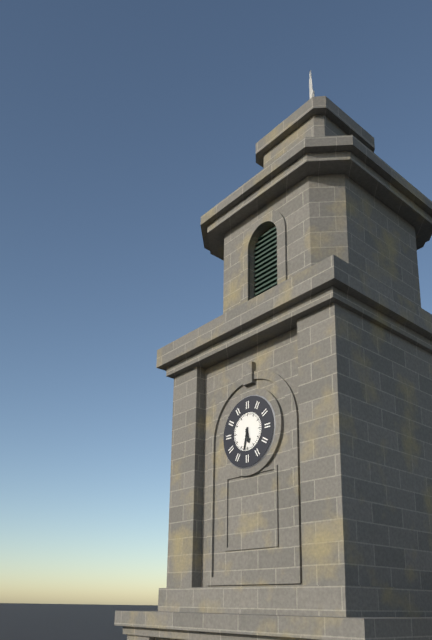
{"hour": 5, "minute": 32}
